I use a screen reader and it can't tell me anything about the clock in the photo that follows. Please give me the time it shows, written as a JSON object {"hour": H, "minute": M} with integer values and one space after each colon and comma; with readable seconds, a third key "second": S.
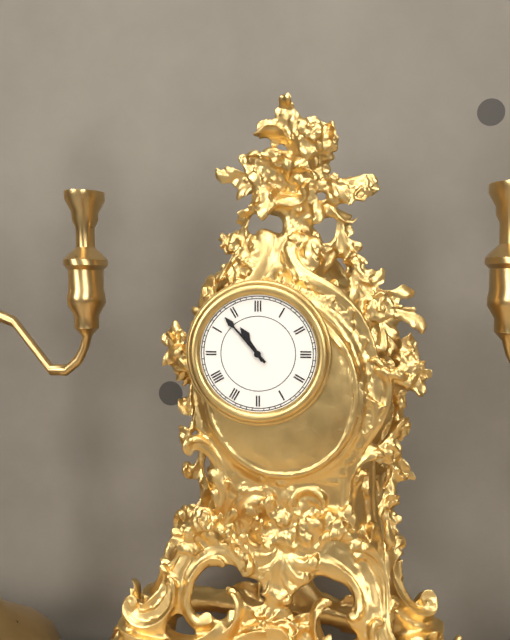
{"hour": 10, "minute": 53}
